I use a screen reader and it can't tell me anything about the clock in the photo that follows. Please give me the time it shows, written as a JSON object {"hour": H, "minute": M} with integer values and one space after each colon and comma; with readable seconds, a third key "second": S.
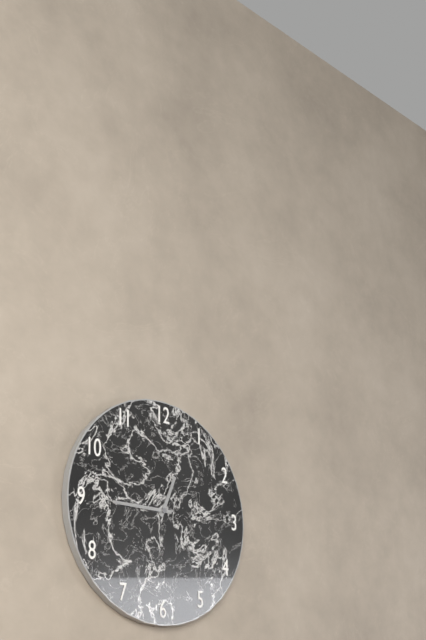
{"hour": 12, "minute": 45}
